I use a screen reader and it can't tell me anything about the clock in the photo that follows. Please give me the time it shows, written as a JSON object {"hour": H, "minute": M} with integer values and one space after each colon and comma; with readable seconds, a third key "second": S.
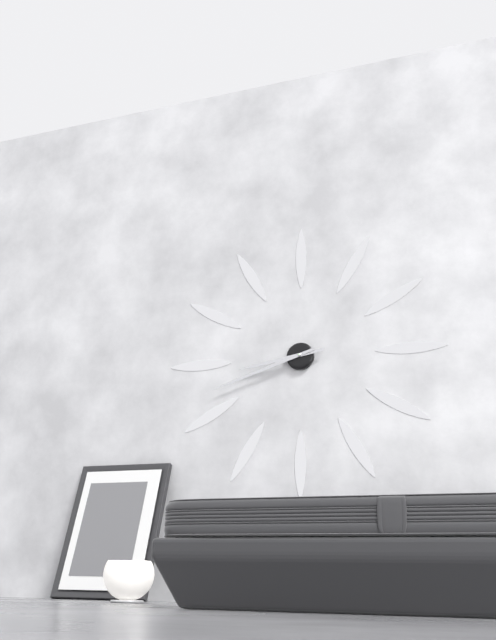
{"hour": 8, "minute": 42}
